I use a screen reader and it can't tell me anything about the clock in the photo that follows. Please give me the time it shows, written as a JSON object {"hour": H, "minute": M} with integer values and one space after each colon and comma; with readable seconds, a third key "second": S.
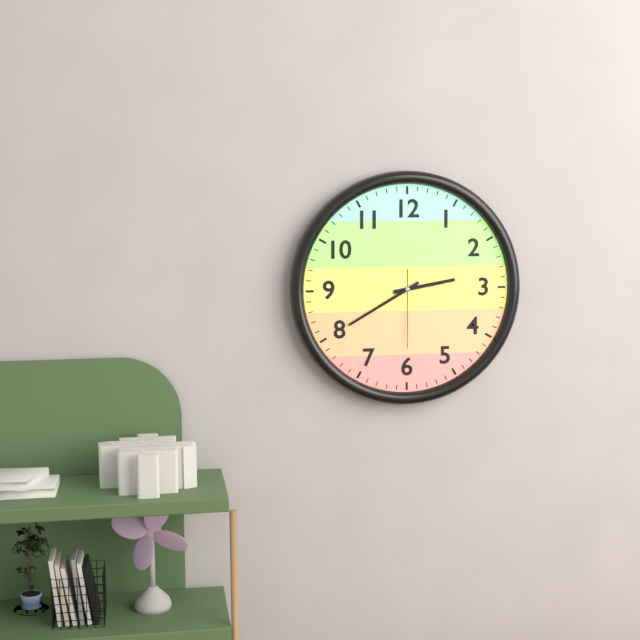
{"hour": 2, "minute": 40, "second": 30}
